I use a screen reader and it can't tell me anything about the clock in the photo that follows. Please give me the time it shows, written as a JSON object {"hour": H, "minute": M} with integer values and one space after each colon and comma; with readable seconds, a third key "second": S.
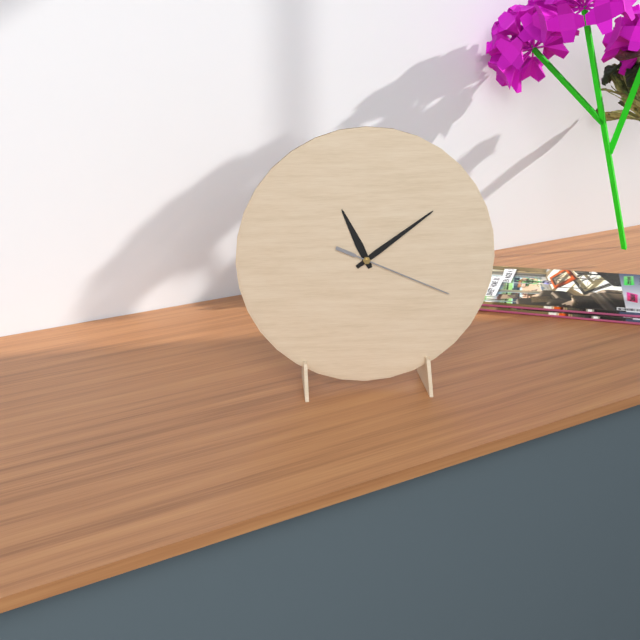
{"hour": 11, "minute": 9, "second": 19}
